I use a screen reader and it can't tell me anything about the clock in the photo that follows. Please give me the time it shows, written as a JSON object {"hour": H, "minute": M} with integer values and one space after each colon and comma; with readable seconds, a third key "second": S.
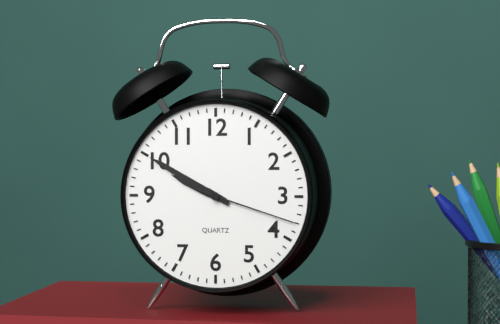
{"hour": 9, "minute": 50, "second": 18}
